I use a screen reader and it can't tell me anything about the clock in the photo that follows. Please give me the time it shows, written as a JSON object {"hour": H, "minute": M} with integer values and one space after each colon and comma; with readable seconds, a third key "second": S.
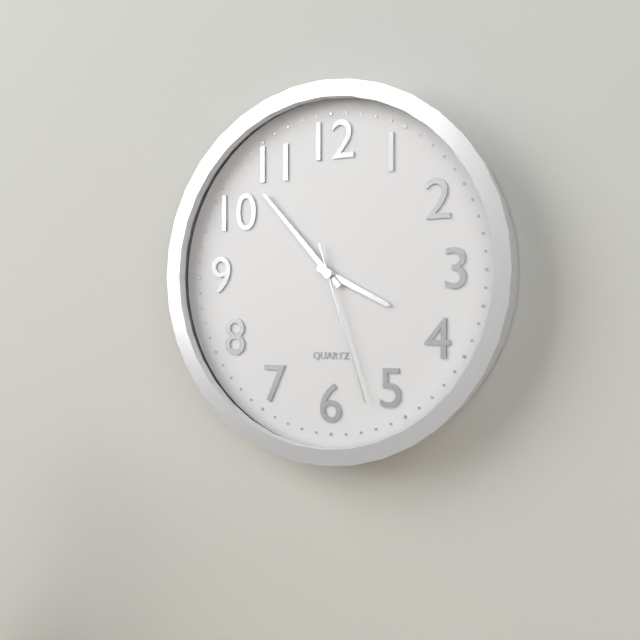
{"hour": 3, "minute": 53, "second": 27}
